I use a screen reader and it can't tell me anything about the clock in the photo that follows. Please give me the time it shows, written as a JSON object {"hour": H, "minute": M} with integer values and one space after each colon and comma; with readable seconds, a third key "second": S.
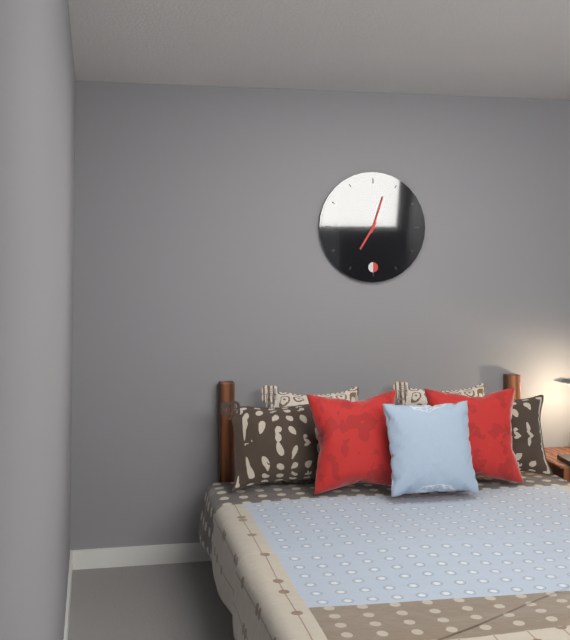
{"hour": 7, "minute": 3}
